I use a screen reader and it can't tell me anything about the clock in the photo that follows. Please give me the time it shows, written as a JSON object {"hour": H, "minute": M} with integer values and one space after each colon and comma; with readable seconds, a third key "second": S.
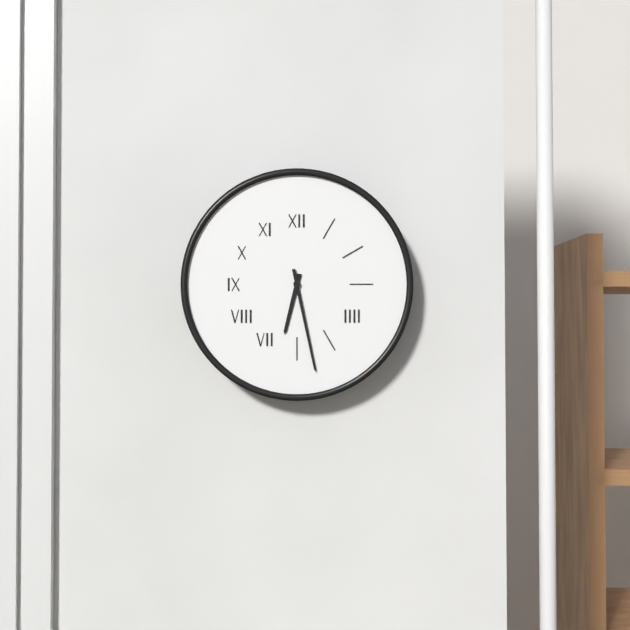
{"hour": 6, "minute": 28}
